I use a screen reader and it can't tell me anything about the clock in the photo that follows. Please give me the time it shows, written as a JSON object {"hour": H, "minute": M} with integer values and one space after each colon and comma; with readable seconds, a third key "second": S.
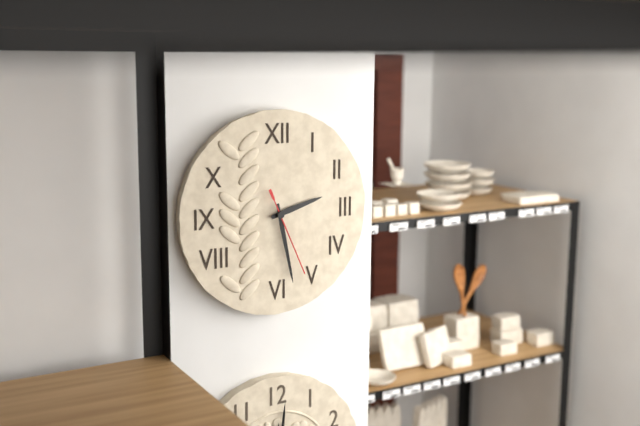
{"hour": 2, "minute": 28, "second": 26}
